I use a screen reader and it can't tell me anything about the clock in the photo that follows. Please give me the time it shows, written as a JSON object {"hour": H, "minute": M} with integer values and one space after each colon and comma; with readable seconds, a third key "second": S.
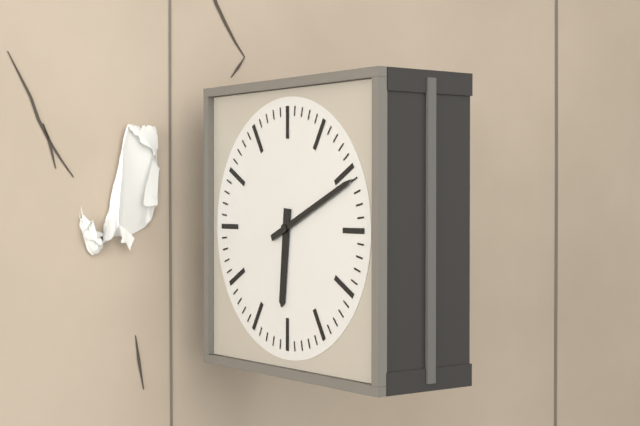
{"hour": 6, "minute": 11}
